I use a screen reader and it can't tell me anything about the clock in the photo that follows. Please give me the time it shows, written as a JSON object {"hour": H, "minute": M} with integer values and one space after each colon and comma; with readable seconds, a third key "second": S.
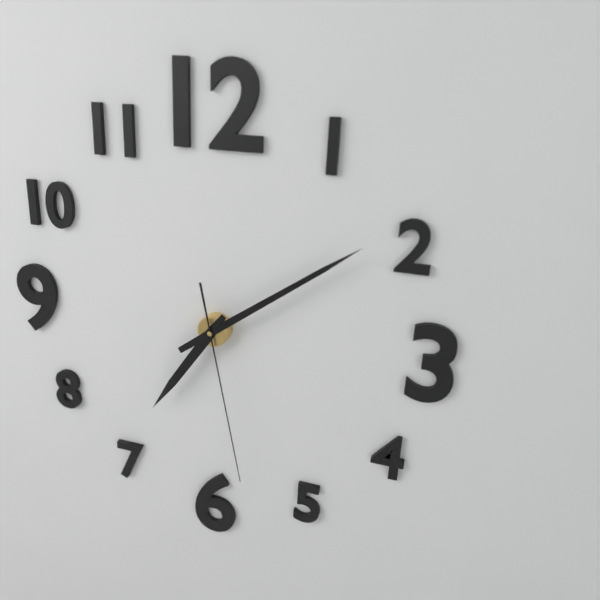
{"hour": 7, "minute": 9, "second": 28}
